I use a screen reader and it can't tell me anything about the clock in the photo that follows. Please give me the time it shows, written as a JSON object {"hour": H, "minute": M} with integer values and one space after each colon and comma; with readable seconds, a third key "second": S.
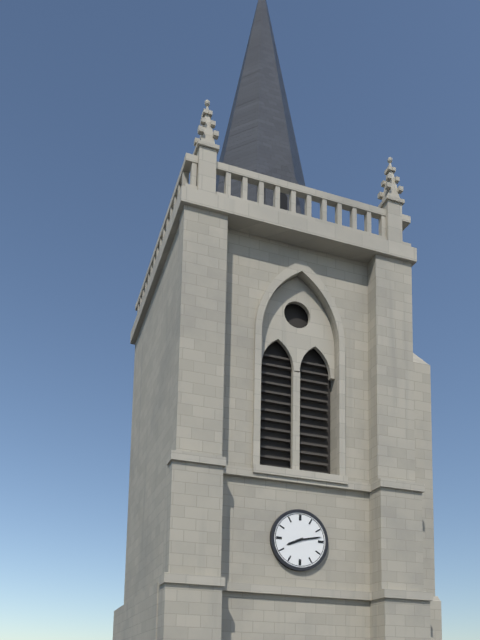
{"hour": 8, "minute": 13}
